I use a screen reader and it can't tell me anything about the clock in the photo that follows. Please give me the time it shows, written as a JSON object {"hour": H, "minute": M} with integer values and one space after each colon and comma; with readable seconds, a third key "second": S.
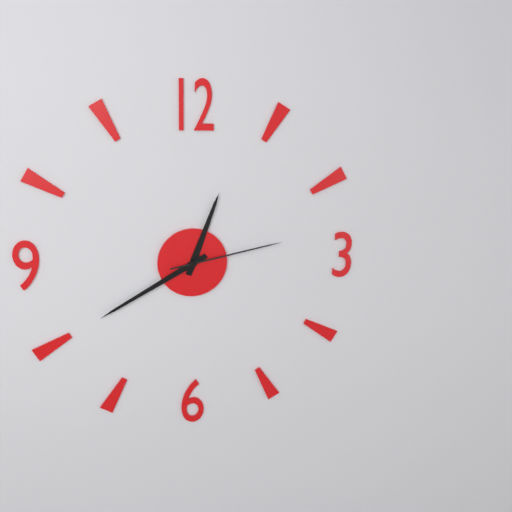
{"hour": 12, "minute": 40, "second": 13}
